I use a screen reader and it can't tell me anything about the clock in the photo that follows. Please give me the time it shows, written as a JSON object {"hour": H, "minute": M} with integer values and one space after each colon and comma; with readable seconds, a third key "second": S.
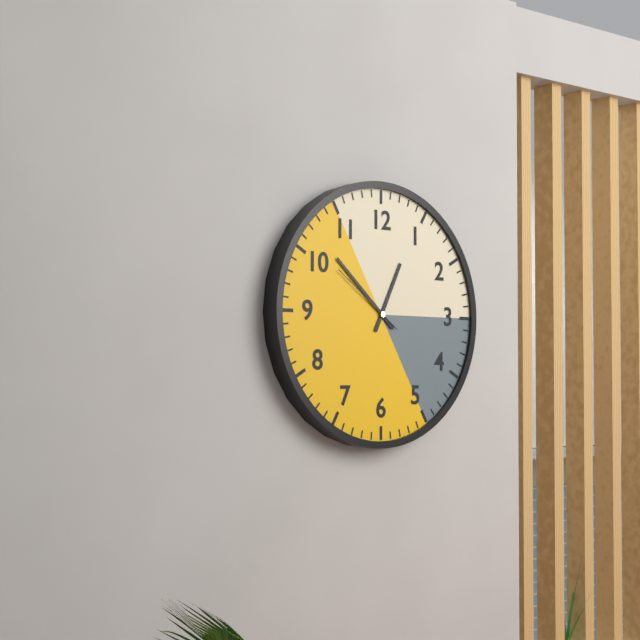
{"hour": 12, "minute": 52, "second": 51}
